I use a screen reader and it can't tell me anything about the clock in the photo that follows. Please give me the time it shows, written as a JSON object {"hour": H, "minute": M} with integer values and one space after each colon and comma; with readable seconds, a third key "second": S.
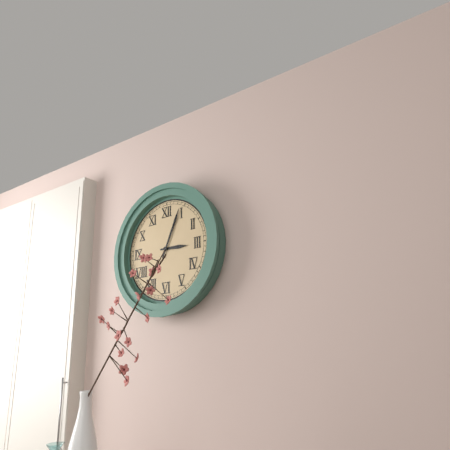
{"hour": 3, "minute": 4}
